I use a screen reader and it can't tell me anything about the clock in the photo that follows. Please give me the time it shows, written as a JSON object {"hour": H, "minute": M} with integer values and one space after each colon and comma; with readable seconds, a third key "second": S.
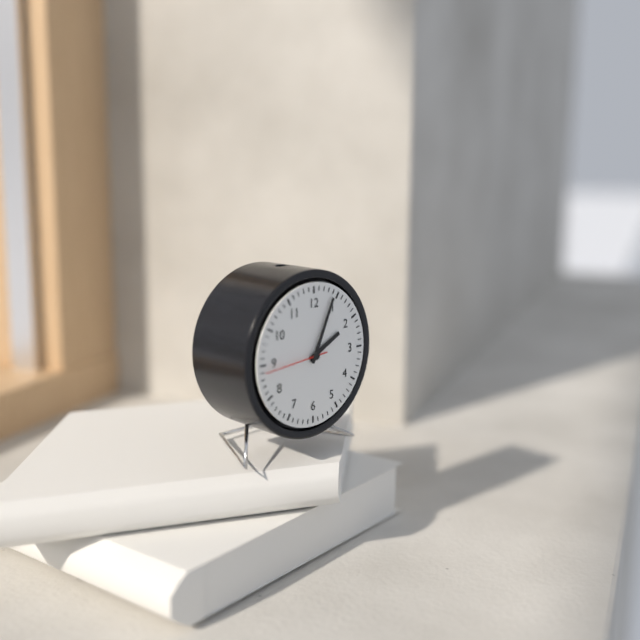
{"hour": 2, "minute": 4}
